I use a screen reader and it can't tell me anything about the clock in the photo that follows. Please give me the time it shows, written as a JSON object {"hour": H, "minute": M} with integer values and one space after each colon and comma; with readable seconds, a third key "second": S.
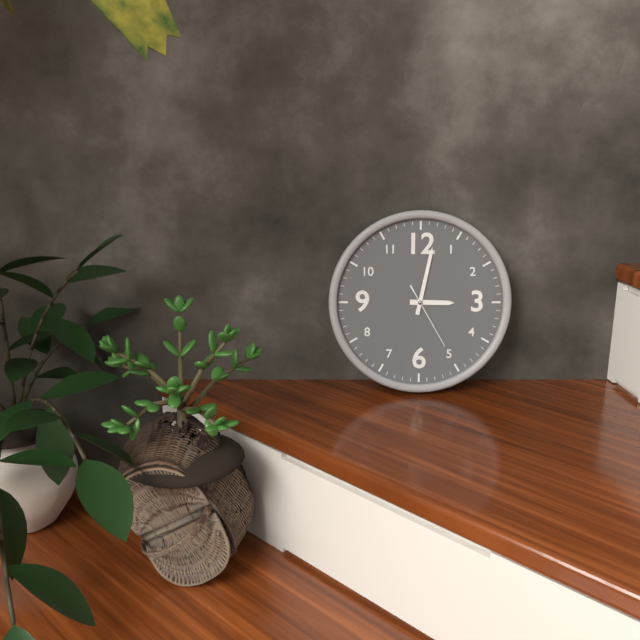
{"hour": 3, "minute": 2, "second": 25}
